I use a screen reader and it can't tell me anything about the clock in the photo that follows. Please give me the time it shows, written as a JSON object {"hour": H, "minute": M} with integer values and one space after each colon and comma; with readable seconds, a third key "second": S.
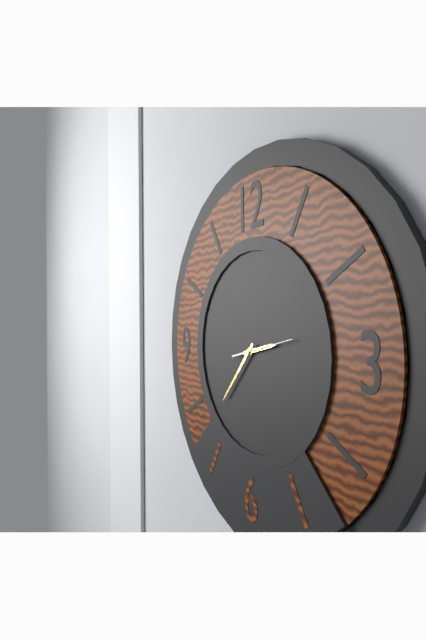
{"hour": 2, "minute": 37}
